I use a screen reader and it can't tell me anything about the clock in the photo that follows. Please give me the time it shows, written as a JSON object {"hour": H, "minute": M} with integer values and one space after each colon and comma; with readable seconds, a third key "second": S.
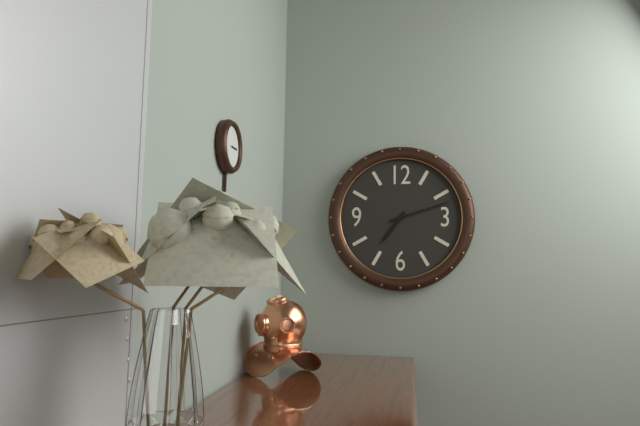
{"hour": 7, "minute": 12}
